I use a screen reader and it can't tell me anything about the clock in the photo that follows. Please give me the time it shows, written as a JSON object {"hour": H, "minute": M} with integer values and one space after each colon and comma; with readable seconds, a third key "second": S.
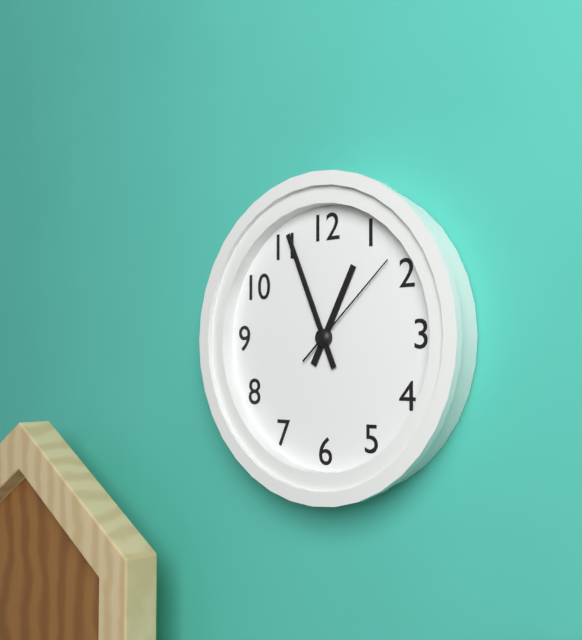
{"hour": 12, "minute": 56, "second": 8}
